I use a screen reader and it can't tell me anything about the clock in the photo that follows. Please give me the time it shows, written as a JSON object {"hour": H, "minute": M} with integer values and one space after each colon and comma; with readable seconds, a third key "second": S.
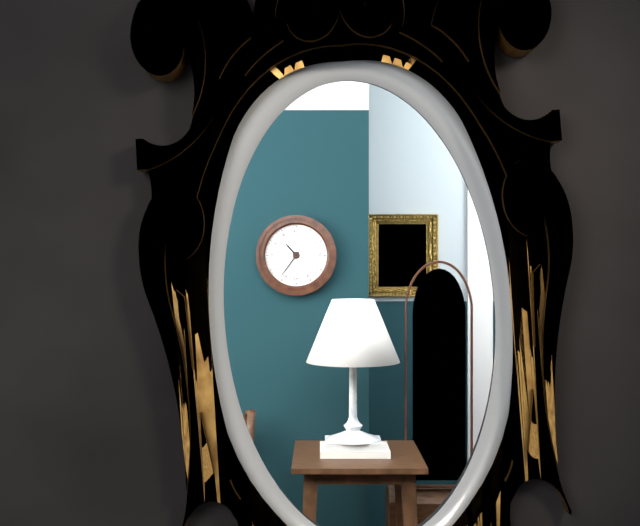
{"hour": 10, "minute": 36}
